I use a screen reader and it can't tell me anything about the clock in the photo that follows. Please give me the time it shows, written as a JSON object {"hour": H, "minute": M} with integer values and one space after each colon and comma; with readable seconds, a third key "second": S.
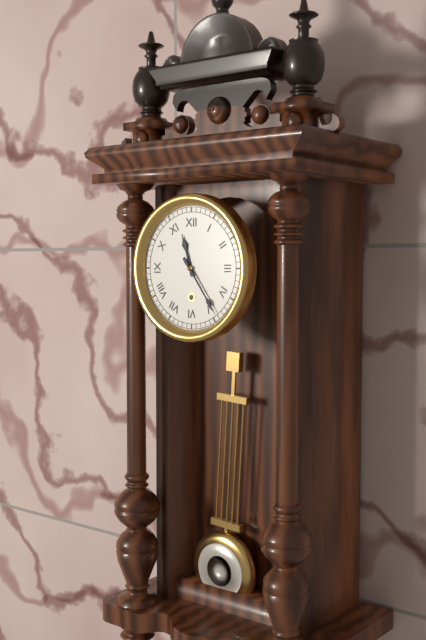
{"hour": 11, "minute": 24}
